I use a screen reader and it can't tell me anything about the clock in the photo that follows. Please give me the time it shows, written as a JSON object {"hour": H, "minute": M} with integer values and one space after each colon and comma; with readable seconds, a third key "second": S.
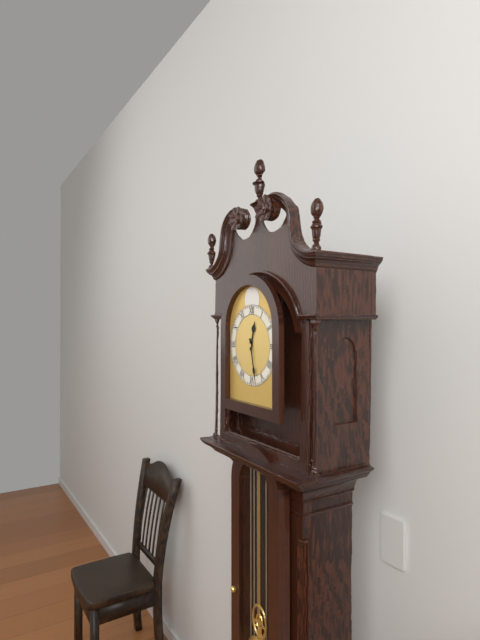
{"hour": 12, "minute": 28}
